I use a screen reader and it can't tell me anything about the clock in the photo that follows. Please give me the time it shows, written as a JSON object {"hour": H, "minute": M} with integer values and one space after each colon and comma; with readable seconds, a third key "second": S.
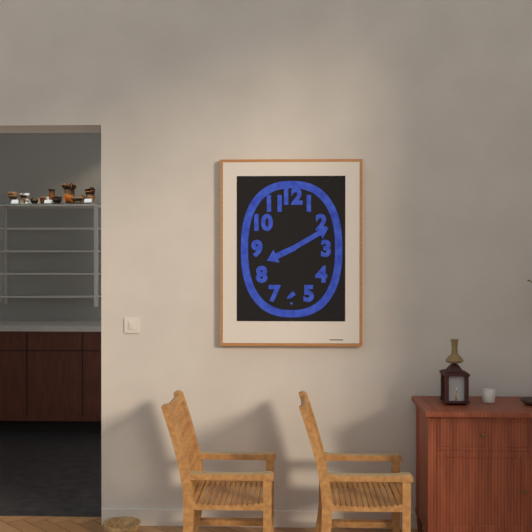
{"hour": 8, "minute": 10}
